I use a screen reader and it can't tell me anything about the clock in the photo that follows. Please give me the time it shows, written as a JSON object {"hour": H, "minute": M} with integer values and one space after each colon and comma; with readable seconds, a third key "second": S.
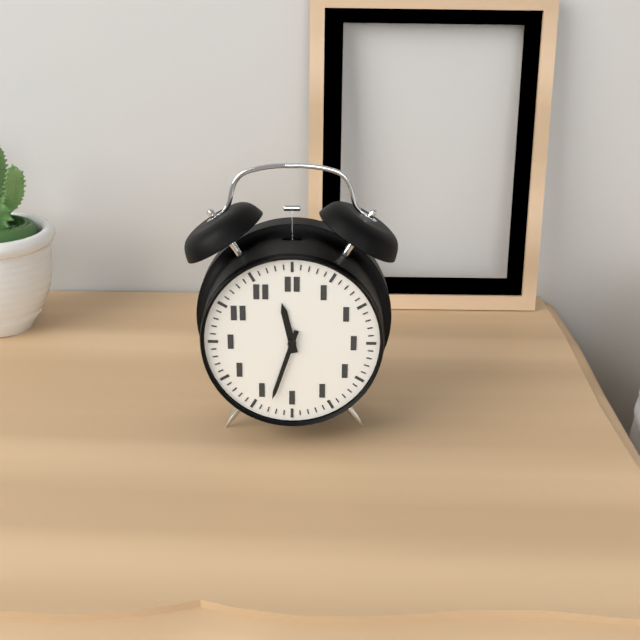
{"hour": 11, "minute": 33}
